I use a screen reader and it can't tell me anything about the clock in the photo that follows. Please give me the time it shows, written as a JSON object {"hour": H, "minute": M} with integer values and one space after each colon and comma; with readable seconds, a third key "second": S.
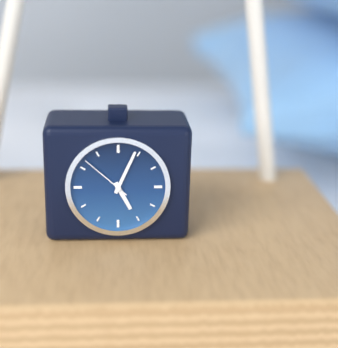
{"hour": 5, "minute": 4, "second": 52}
